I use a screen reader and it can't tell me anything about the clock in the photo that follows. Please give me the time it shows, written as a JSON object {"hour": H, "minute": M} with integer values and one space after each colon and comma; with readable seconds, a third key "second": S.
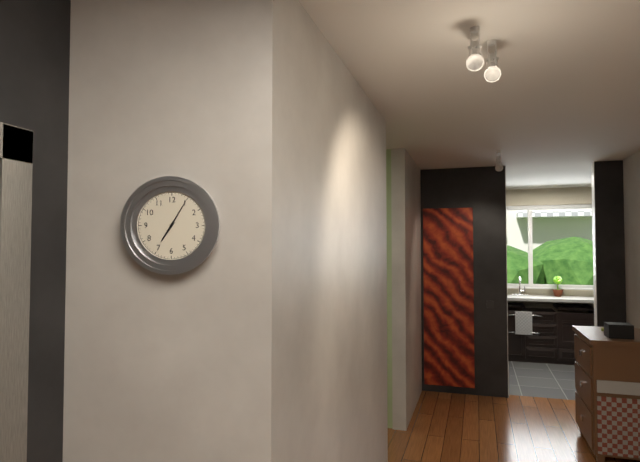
{"hour": 7, "minute": 5}
